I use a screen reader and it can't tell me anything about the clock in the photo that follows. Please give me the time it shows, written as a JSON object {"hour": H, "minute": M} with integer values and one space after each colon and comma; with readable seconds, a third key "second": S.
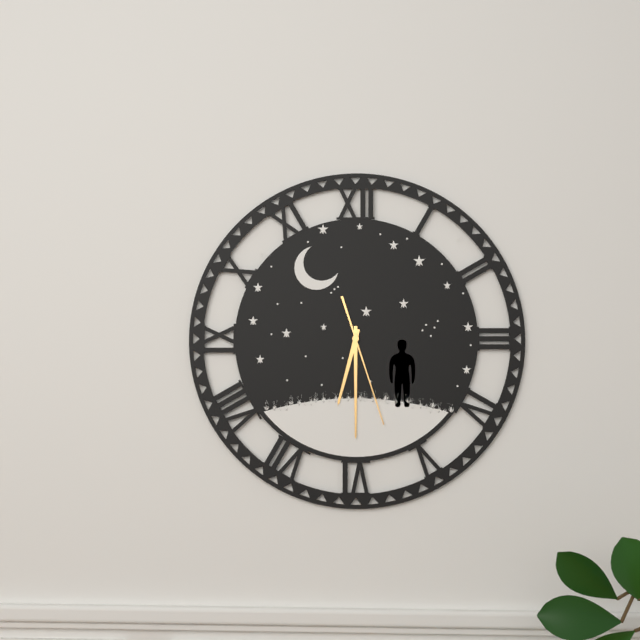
{"hour": 6, "minute": 30, "second": 27}
